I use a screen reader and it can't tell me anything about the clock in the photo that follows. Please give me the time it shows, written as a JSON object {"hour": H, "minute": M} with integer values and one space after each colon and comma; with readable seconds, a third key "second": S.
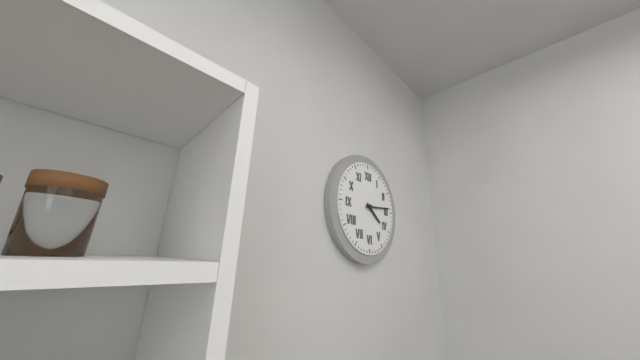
{"hour": 4, "minute": 14}
